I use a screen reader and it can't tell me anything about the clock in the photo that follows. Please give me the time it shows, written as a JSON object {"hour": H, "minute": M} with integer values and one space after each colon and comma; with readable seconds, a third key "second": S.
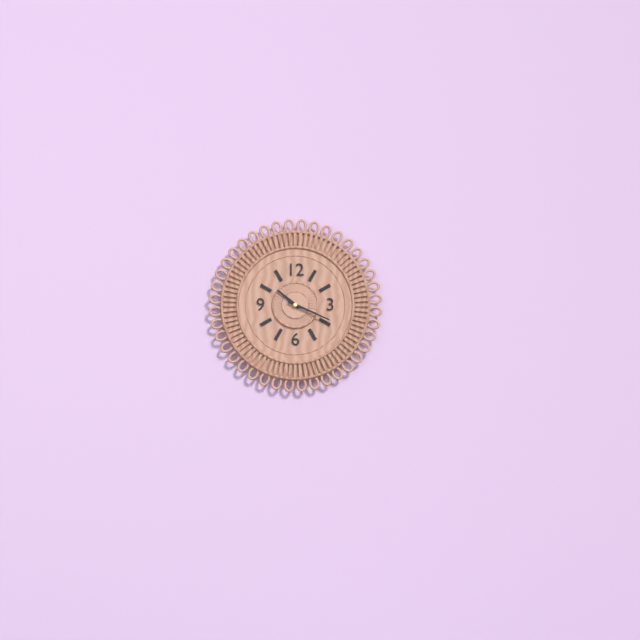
{"hour": 10, "minute": 19}
